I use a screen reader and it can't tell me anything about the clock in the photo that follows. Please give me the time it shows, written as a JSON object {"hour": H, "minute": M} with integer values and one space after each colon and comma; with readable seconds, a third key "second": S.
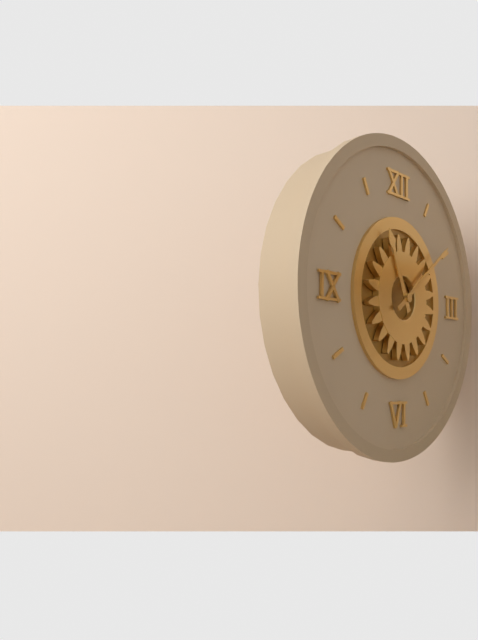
{"hour": 11, "minute": 9}
